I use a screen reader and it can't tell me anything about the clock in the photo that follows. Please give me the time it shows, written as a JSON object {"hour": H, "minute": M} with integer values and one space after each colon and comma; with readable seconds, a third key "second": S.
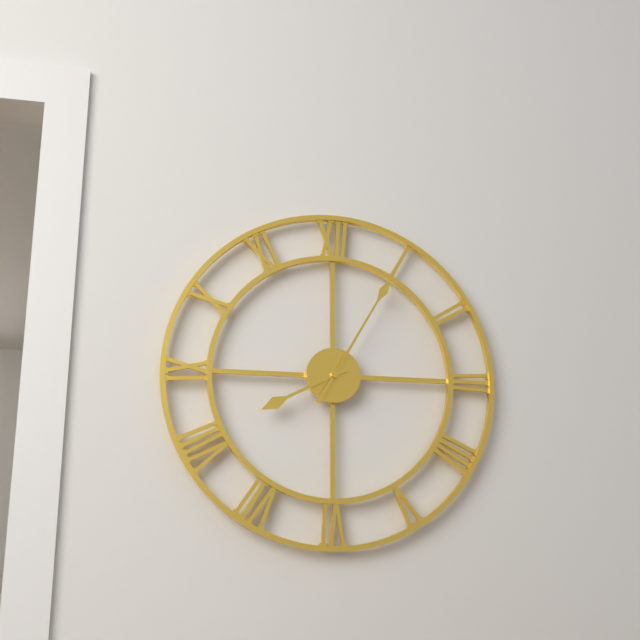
{"hour": 8, "minute": 5}
